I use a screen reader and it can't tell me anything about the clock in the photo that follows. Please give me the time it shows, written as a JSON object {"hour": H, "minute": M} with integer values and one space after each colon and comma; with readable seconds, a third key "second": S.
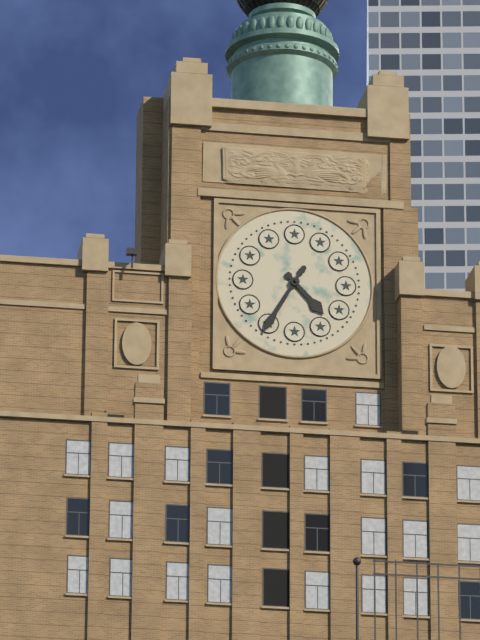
{"hour": 4, "minute": 35}
